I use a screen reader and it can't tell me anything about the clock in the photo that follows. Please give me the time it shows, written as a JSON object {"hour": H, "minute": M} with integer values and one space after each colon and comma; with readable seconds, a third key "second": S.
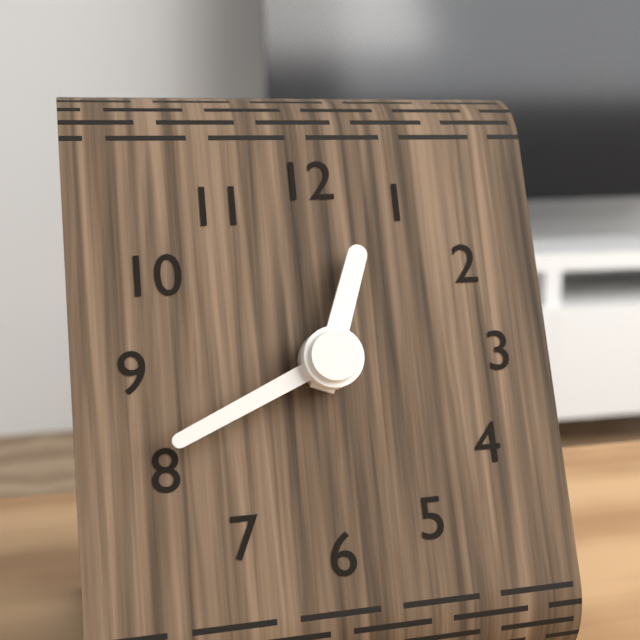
{"hour": 12, "minute": 41}
